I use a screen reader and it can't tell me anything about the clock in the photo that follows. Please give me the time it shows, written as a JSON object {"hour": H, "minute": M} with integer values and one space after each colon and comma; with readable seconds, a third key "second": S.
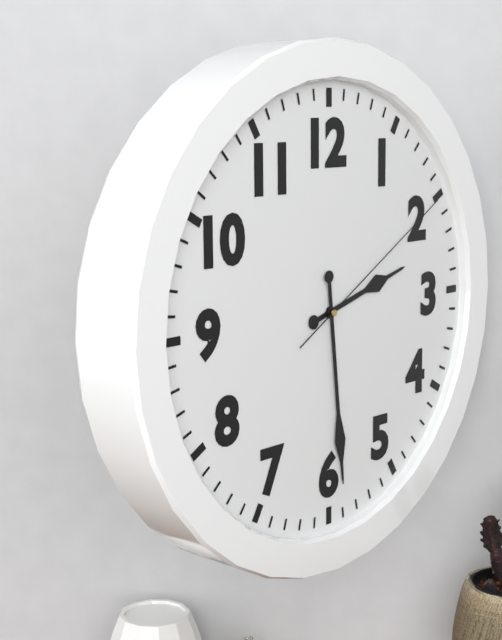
{"hour": 2, "minute": 29, "second": 10}
